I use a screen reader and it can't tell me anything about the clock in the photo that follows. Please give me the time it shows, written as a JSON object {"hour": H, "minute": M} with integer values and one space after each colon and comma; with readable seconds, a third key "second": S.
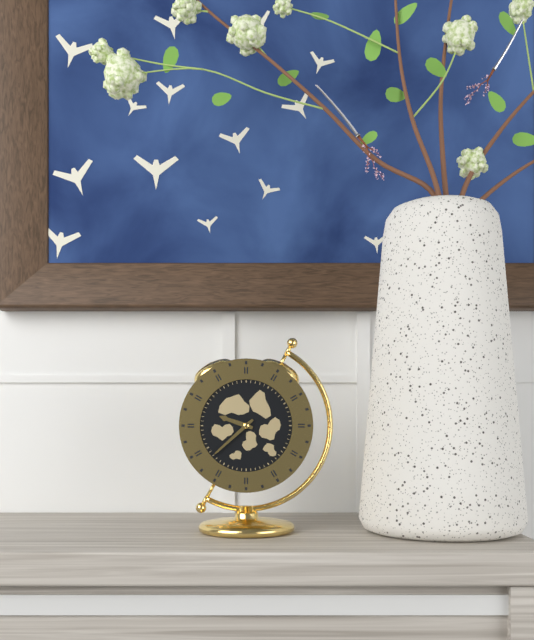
{"hour": 9, "minute": 38}
